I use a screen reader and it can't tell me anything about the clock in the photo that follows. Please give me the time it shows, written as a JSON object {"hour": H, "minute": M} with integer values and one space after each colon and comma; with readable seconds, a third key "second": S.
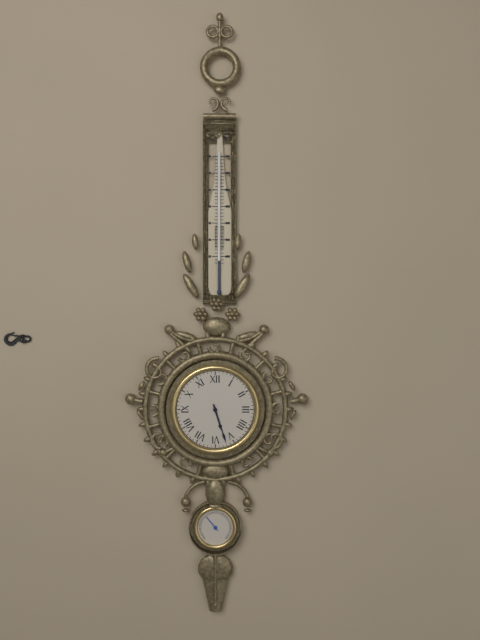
{"hour": 5, "minute": 27}
